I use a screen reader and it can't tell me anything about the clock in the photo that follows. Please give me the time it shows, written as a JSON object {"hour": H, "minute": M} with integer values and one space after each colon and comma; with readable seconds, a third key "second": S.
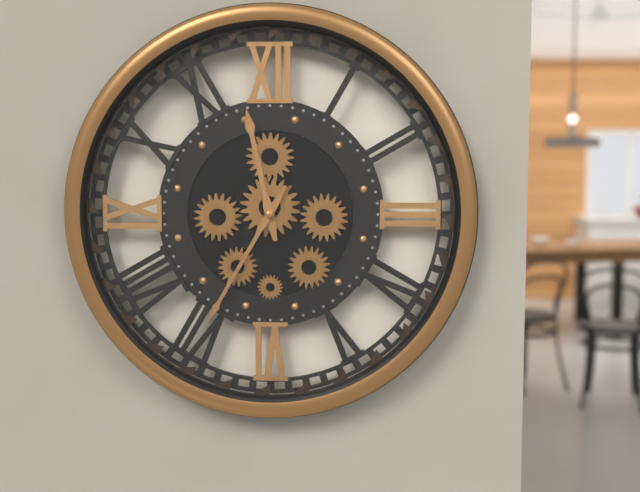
{"hour": 11, "minute": 35}
